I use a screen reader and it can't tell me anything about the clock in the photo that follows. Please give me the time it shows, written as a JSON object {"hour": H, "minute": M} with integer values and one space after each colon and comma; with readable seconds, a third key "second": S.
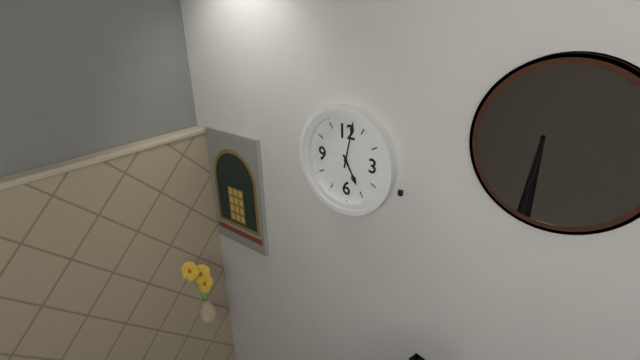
{"hour": 5, "minute": 2}
